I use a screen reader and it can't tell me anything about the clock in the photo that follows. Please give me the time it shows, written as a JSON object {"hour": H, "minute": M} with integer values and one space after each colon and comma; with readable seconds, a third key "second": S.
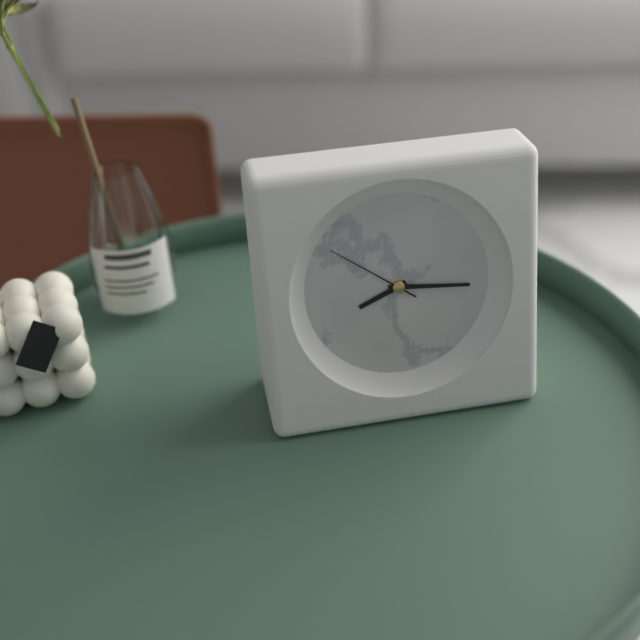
{"hour": 8, "minute": 16, "second": 51}
